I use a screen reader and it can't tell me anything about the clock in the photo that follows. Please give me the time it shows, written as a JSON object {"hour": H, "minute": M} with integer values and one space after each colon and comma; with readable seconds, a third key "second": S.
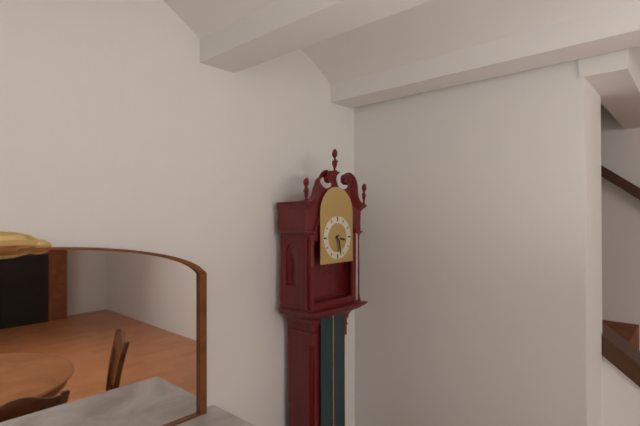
{"hour": 3, "minute": 28}
